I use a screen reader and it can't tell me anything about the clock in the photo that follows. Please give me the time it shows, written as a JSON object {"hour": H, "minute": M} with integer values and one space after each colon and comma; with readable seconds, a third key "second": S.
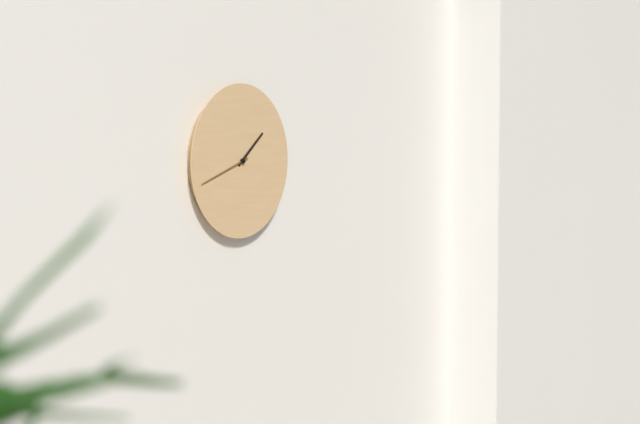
{"hour": 1, "minute": 42}
